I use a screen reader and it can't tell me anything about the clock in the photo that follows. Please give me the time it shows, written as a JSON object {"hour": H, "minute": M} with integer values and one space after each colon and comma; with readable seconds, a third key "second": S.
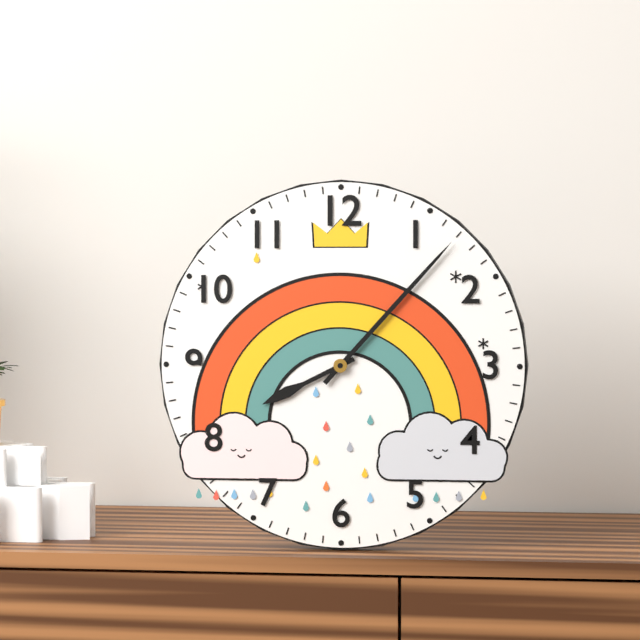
{"hour": 8, "minute": 7}
